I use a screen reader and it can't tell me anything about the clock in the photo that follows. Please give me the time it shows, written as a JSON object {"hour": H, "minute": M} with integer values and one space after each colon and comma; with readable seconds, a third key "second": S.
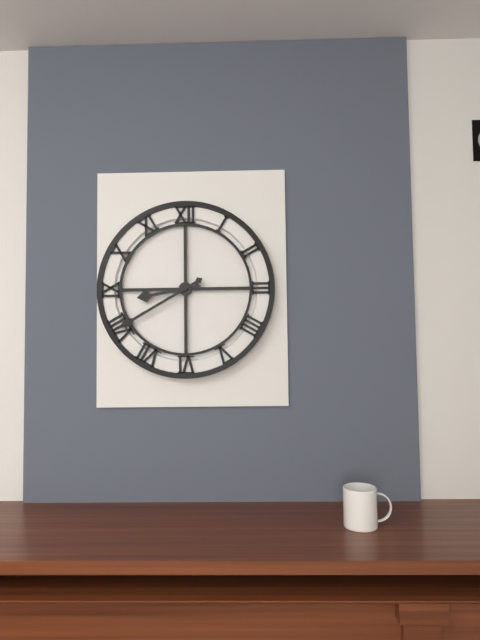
{"hour": 8, "minute": 40}
